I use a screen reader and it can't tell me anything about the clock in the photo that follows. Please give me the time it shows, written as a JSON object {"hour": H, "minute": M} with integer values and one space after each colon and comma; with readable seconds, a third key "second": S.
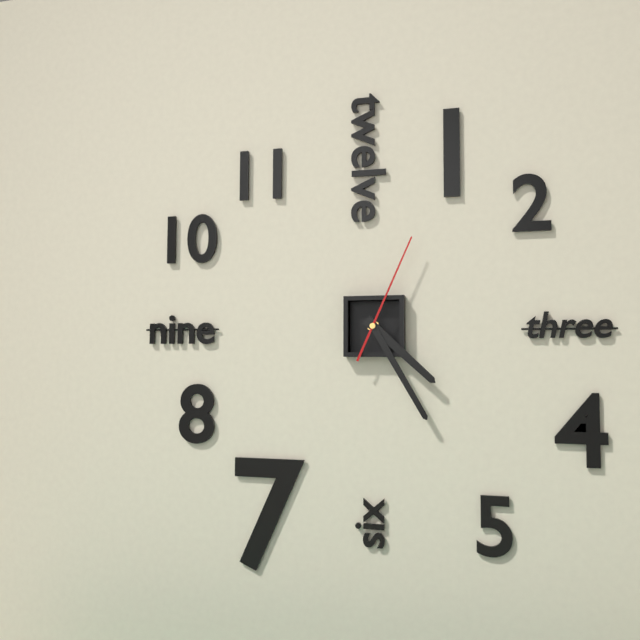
{"hour": 4, "minute": 25, "second": 4}
